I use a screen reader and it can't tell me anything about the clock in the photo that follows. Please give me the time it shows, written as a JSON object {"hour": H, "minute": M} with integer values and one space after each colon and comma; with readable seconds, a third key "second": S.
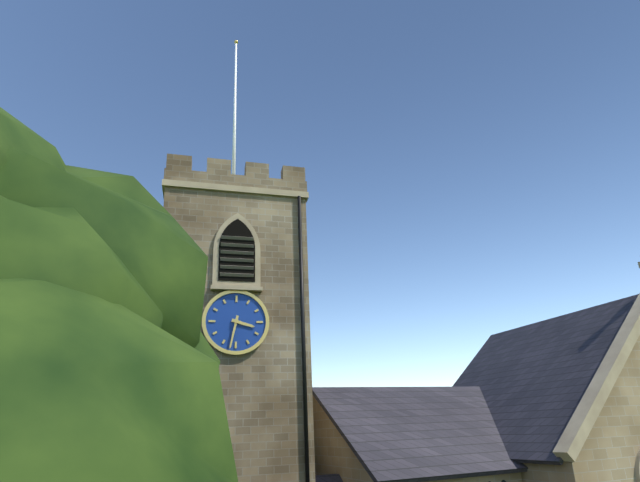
{"hour": 3, "minute": 32}
